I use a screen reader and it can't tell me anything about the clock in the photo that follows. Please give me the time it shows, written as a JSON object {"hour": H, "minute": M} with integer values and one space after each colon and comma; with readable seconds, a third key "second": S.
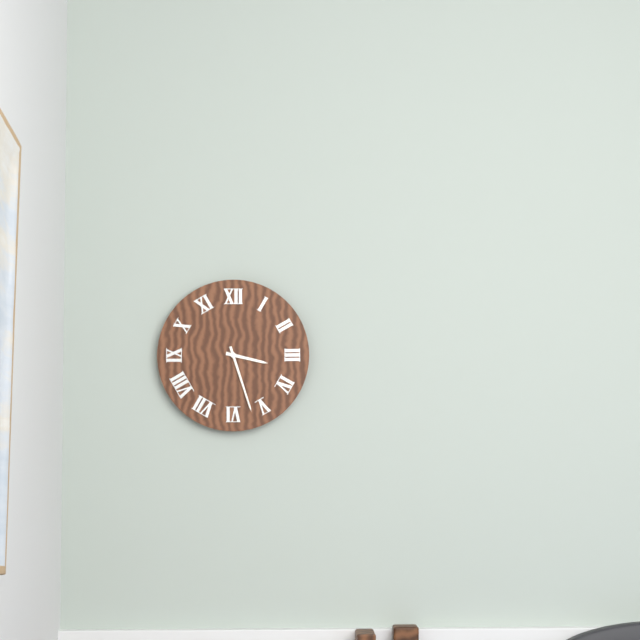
{"hour": 3, "minute": 27}
